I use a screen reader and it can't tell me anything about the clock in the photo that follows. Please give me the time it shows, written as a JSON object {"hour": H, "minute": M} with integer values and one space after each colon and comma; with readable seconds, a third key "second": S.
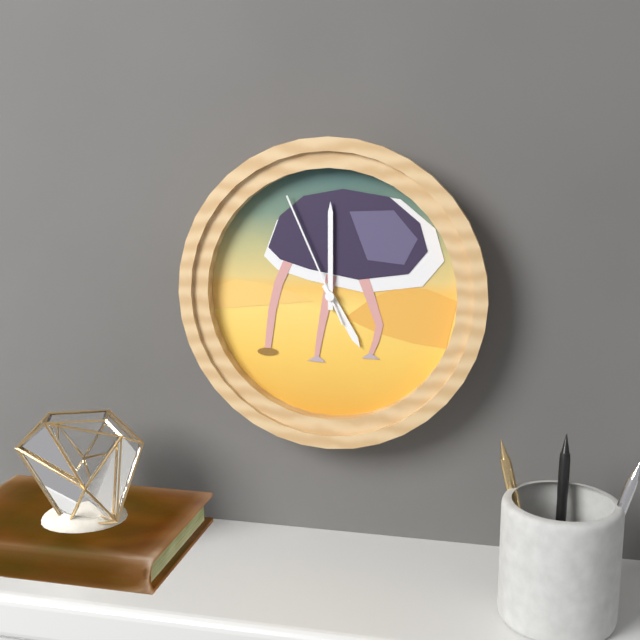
{"hour": 5, "minute": 0, "second": 56}
